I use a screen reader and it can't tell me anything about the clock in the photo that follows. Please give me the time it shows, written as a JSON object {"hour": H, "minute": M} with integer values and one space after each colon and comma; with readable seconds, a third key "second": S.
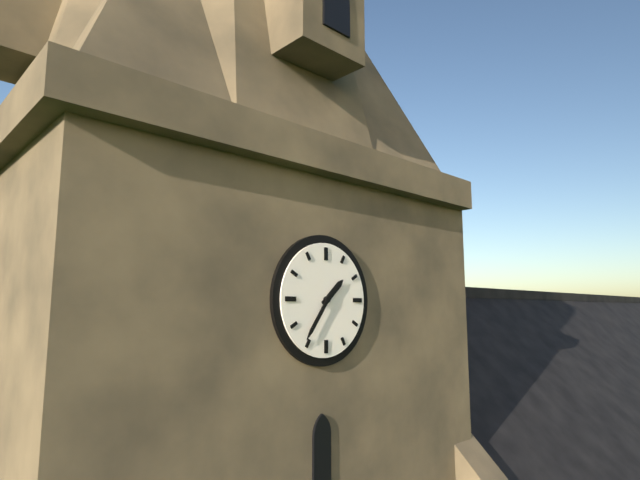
{"hour": 1, "minute": 36}
